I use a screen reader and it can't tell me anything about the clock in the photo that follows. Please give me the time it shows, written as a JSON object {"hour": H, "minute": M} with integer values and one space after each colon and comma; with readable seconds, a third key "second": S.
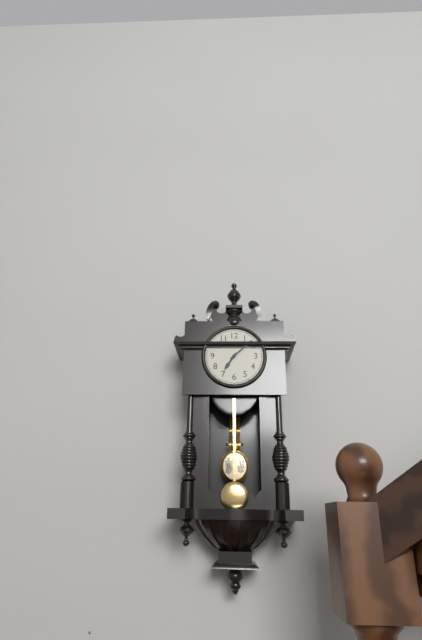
{"hour": 7, "minute": 8}
